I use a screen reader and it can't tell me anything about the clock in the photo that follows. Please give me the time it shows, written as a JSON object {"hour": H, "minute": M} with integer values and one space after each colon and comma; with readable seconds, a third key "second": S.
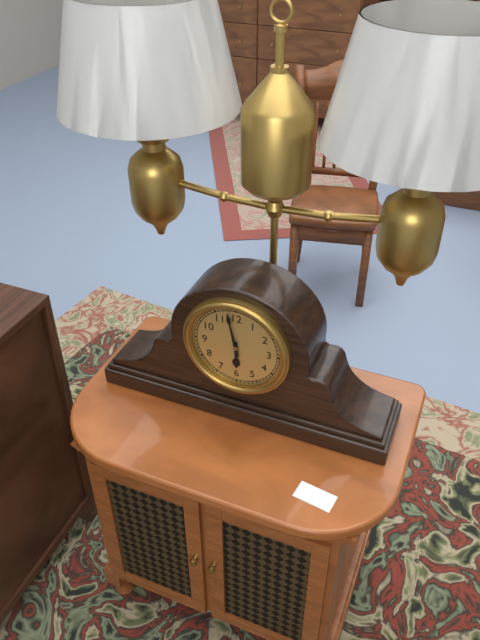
{"hour": 5, "minute": 58}
